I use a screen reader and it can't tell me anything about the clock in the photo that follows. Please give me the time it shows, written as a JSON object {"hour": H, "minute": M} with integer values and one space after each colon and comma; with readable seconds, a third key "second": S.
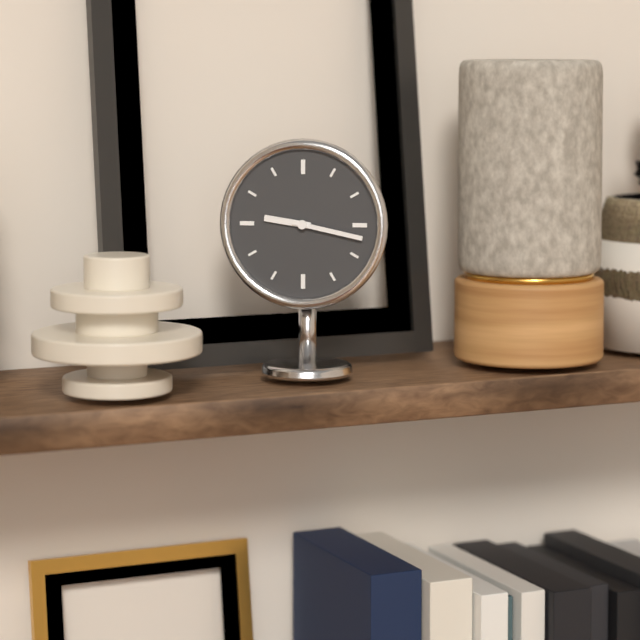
{"hour": 9, "minute": 17}
